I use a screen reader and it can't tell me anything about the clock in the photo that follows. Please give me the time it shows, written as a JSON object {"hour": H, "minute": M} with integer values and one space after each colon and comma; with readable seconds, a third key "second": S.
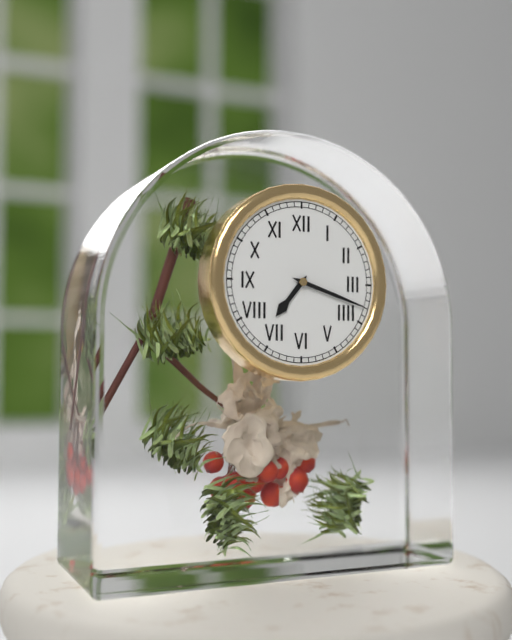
{"hour": 7, "minute": 18}
